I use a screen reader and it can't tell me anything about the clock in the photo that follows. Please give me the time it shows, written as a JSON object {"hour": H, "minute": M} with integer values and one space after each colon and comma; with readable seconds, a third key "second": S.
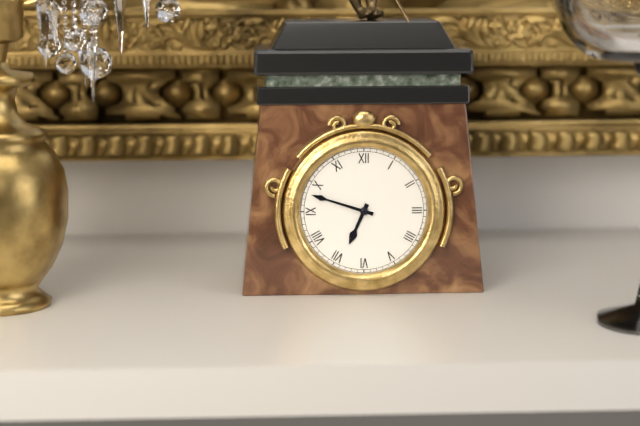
{"hour": 6, "minute": 48}
